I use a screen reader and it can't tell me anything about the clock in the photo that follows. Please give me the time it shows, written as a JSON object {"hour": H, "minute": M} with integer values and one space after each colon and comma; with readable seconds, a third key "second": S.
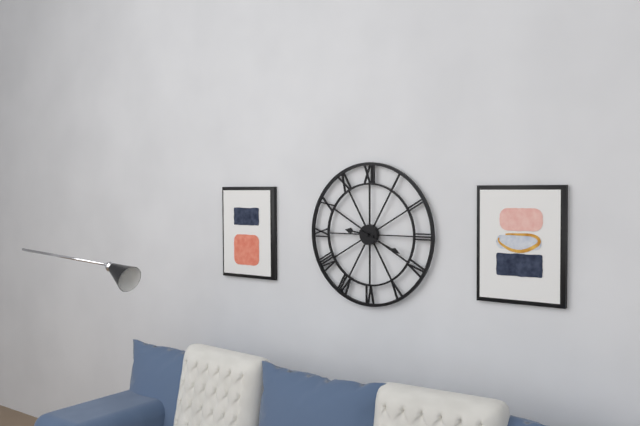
{"hour": 9, "minute": 19}
